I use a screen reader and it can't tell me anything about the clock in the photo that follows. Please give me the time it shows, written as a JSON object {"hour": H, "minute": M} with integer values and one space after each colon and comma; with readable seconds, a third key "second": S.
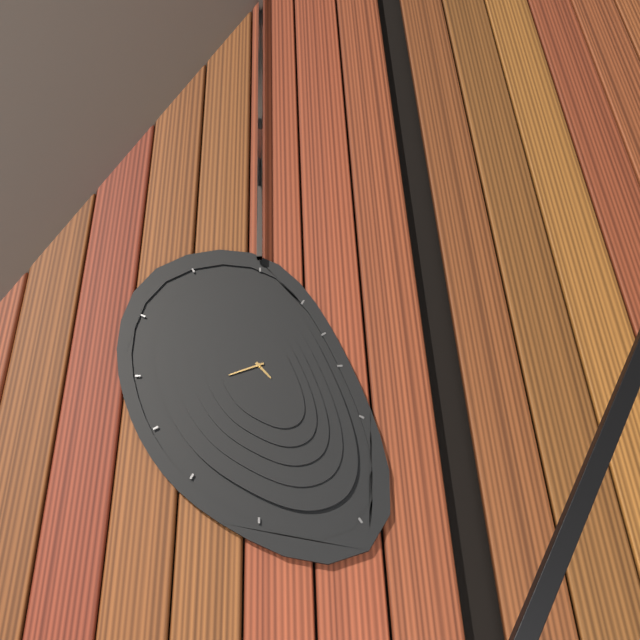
{"hour": 4, "minute": 42}
